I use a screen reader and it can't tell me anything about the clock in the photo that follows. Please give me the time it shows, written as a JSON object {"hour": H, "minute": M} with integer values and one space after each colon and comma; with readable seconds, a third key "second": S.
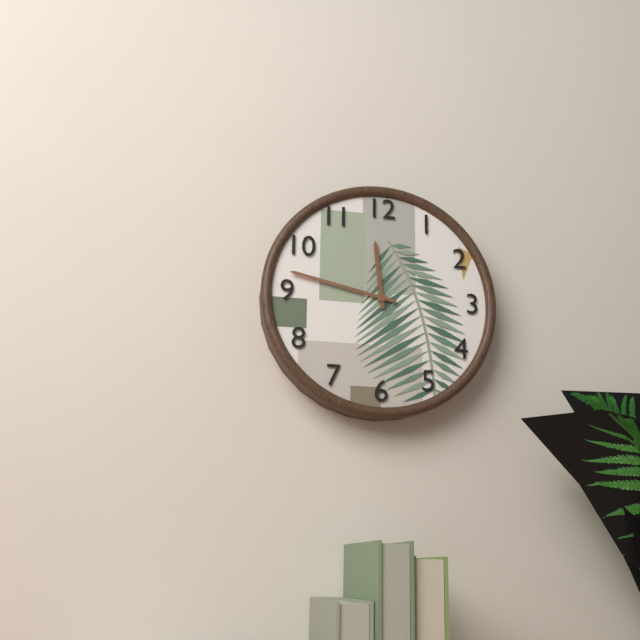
{"hour": 11, "minute": 47}
